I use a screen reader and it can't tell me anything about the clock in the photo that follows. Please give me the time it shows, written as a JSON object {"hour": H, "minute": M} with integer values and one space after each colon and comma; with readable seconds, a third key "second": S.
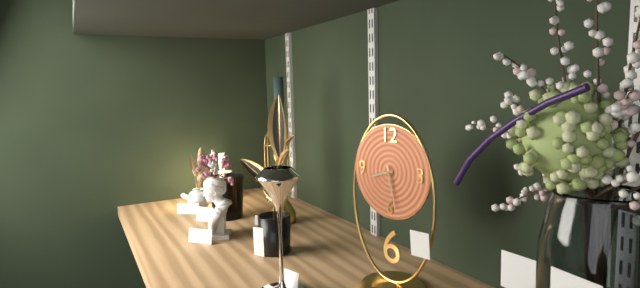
{"hour": 8, "minute": 28}
